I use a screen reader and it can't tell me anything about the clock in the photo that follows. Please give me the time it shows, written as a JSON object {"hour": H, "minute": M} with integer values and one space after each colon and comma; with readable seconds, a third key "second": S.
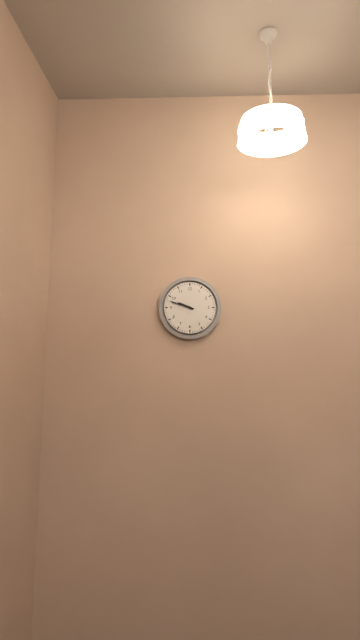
{"hour": 9, "minute": 48}
